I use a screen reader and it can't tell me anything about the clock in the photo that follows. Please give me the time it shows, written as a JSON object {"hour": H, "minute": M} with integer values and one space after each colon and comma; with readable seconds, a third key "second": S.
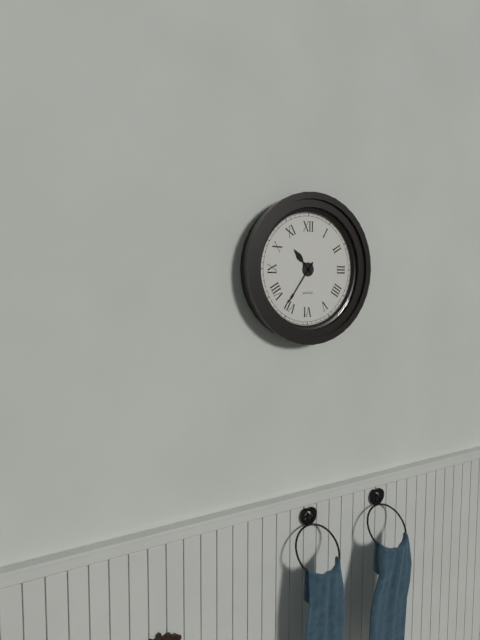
{"hour": 10, "minute": 36}
